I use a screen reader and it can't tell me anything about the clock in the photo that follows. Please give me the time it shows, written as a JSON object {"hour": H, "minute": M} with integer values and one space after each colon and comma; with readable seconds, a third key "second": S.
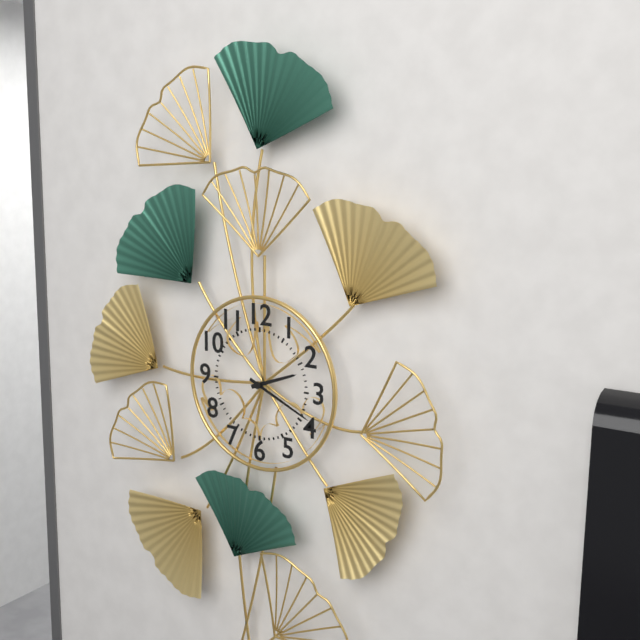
{"hour": 2, "minute": 19}
